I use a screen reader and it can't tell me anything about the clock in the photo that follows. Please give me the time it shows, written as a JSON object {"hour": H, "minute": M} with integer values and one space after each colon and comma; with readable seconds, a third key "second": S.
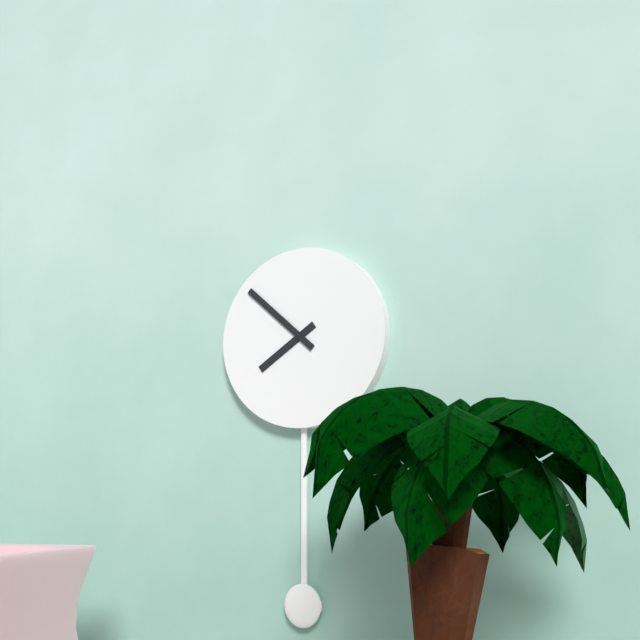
{"hour": 7, "minute": 52}
